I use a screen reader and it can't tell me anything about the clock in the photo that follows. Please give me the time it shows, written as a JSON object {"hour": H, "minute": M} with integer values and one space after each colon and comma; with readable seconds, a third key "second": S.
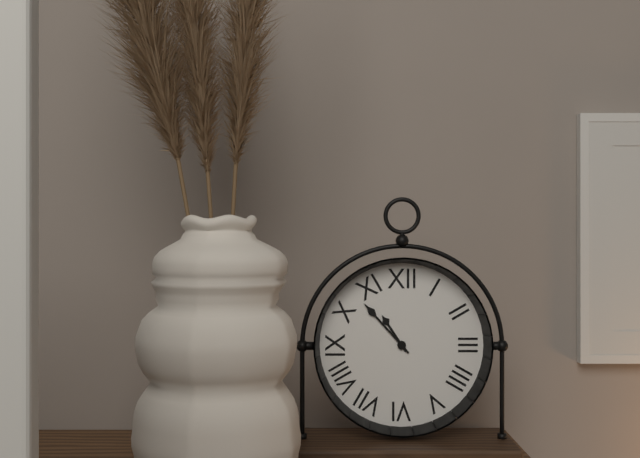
{"hour": 10, "minute": 53}
